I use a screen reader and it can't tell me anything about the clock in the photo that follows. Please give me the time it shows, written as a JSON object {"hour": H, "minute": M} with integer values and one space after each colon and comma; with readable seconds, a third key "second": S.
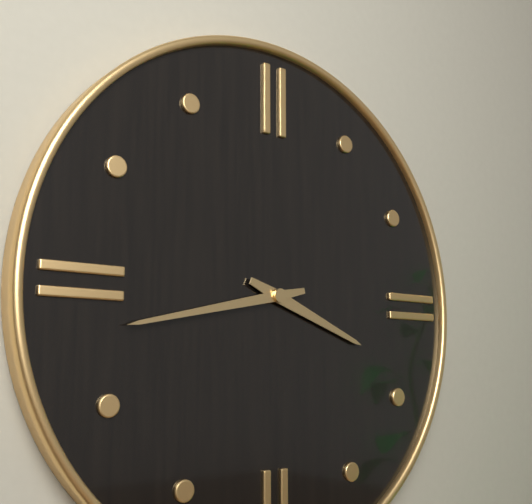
{"hour": 3, "minute": 43}
